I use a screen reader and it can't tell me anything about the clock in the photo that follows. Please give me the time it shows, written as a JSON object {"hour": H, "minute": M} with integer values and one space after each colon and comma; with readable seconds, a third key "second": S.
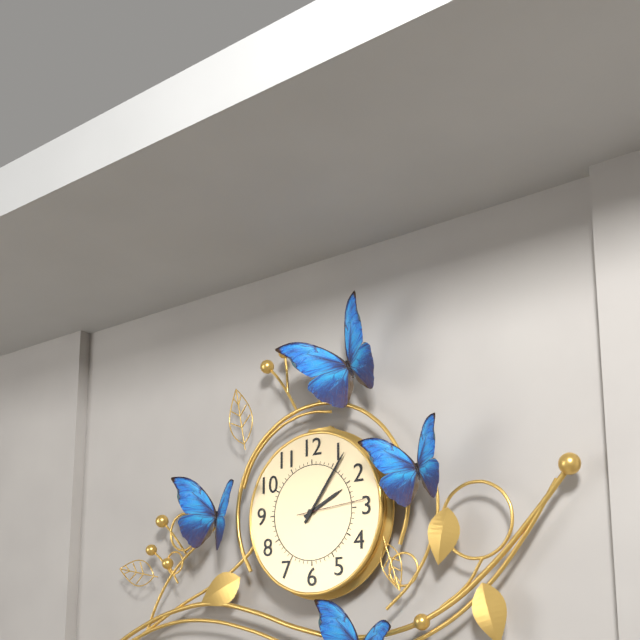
{"hour": 2, "minute": 6, "second": 14}
